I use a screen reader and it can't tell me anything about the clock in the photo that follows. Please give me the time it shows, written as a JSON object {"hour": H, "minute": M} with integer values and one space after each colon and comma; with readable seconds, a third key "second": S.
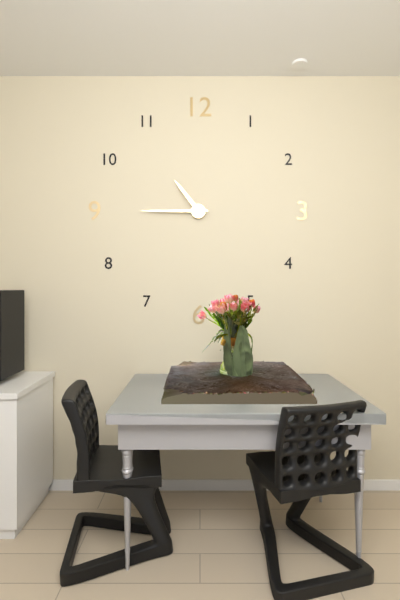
{"hour": 10, "minute": 45}
